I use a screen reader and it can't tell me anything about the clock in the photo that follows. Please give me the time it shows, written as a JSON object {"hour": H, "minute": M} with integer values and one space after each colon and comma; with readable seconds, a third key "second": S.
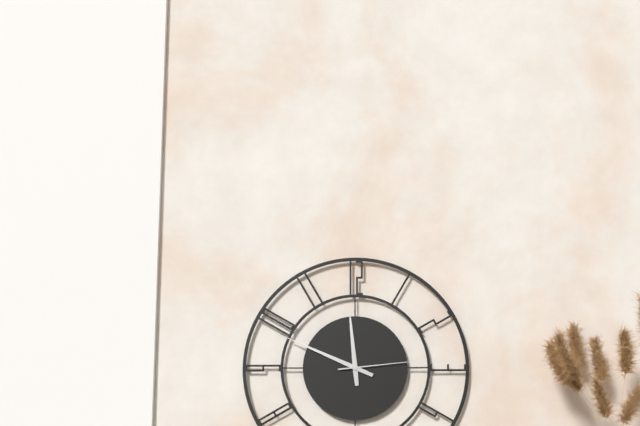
{"hour": 11, "minute": 49, "second": 14}
